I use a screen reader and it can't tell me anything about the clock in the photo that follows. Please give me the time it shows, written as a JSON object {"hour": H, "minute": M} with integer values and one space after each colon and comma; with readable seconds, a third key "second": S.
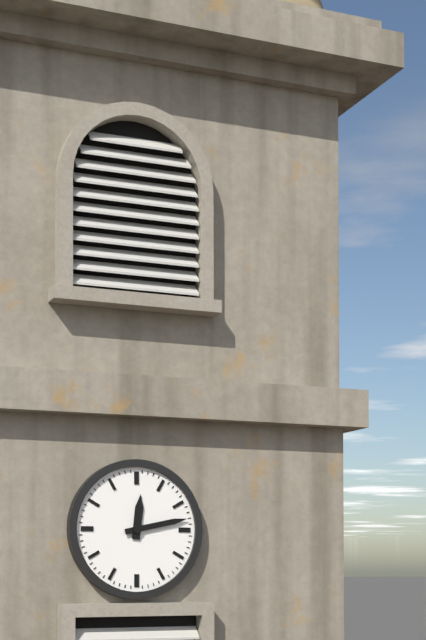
{"hour": 12, "minute": 13}
